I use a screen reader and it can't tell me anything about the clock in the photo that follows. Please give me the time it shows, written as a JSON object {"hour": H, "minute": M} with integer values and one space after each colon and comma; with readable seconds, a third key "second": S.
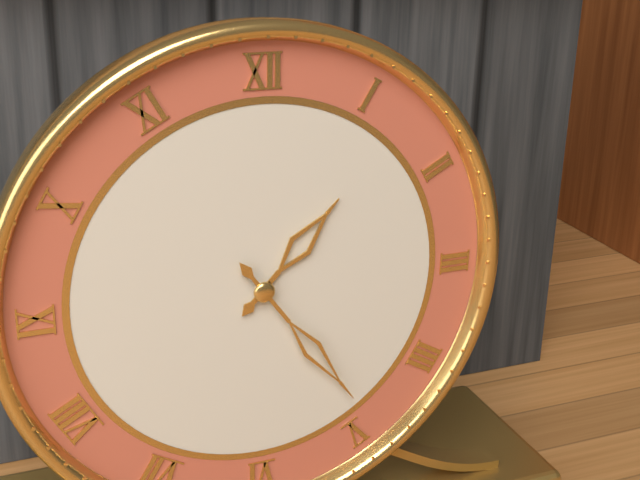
{"hour": 1, "minute": 24}
